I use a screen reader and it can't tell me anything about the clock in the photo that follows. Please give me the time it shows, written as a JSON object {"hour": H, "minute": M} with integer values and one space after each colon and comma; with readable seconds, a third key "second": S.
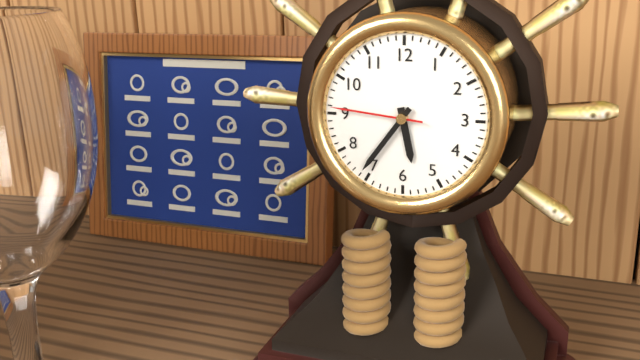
{"hour": 5, "minute": 36, "second": 46}
